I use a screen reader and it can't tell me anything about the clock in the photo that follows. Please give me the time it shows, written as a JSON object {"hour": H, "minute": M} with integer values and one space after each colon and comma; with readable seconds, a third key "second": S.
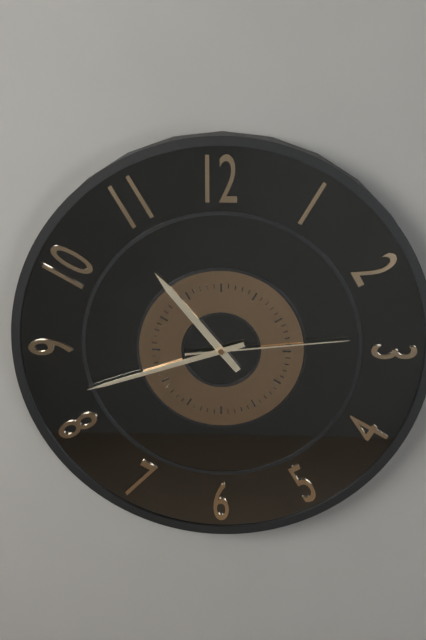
{"hour": 10, "minute": 42, "second": 14}
